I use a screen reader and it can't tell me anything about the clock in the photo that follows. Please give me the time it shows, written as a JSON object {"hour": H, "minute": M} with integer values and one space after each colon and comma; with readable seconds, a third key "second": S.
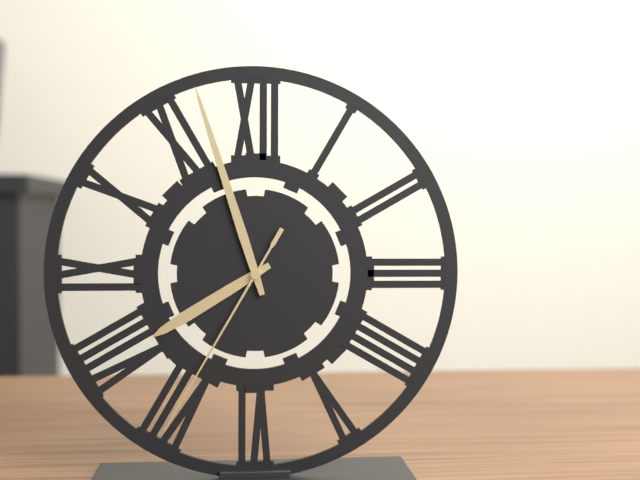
{"hour": 7, "minute": 57, "second": 35}
